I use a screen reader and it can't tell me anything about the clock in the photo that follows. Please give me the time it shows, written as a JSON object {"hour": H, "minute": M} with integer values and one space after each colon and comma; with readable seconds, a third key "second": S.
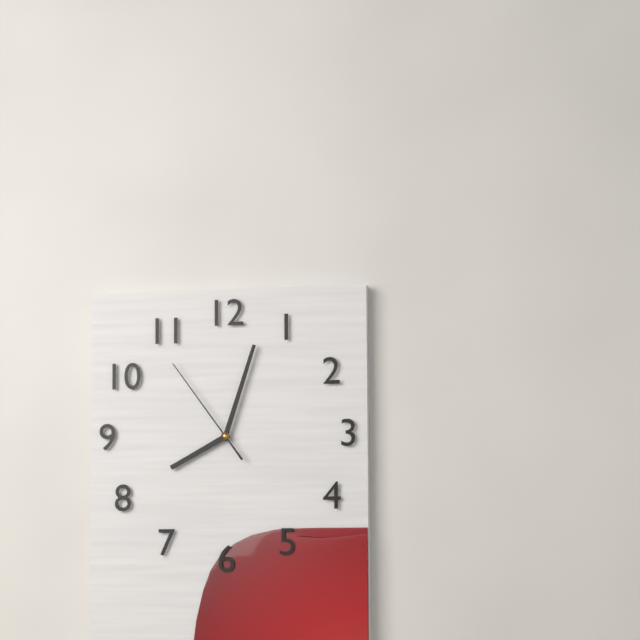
{"hour": 8, "minute": 3, "second": 54}
